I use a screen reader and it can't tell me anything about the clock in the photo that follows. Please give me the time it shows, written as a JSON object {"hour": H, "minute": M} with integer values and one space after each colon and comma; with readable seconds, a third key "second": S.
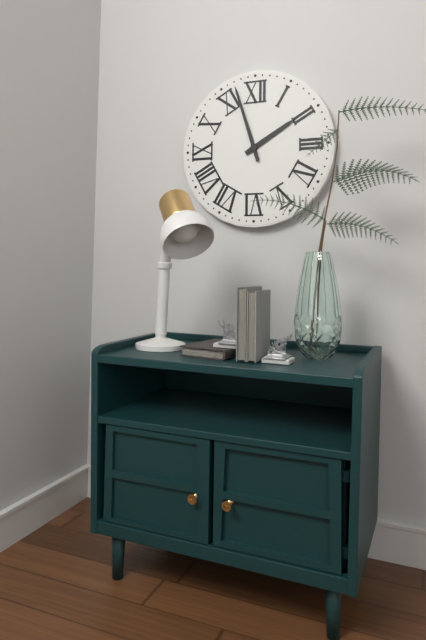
{"hour": 1, "minute": 57}
